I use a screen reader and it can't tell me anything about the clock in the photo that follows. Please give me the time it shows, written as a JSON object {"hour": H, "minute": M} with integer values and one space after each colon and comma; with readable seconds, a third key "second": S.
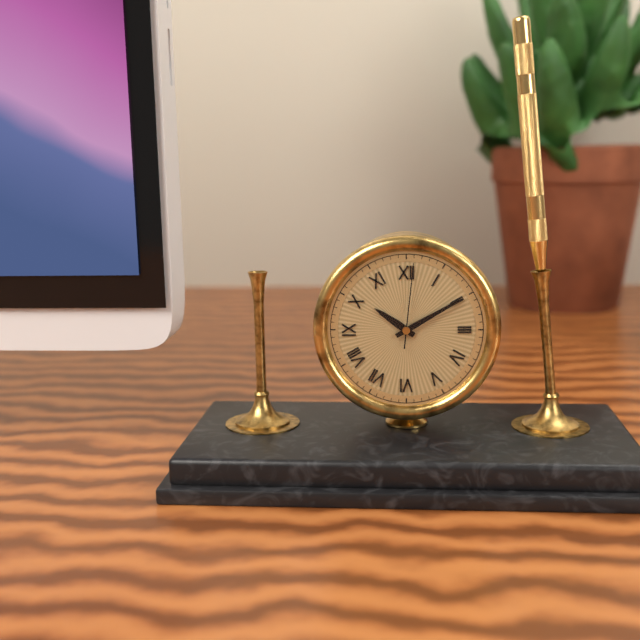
{"hour": 10, "minute": 10, "second": 1}
